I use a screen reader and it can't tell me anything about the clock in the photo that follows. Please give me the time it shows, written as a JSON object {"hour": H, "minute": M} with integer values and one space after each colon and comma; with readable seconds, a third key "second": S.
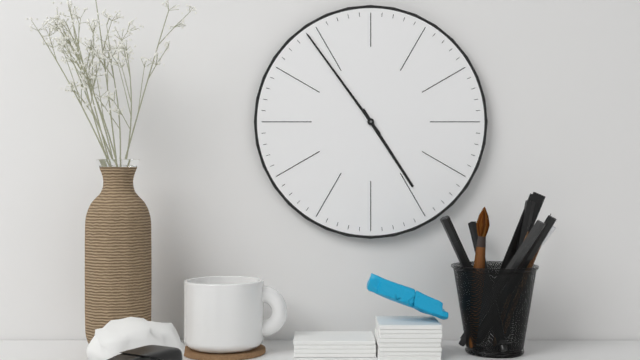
{"hour": 4, "minute": 54}
